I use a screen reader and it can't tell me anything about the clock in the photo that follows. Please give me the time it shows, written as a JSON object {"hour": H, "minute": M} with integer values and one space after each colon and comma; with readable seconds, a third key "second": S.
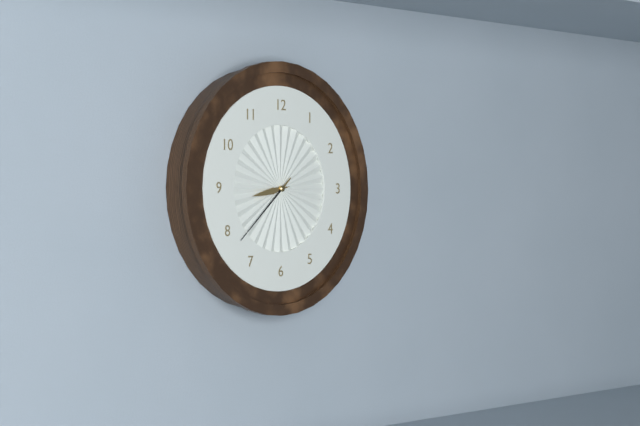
{"hour": 8, "minute": 38}
